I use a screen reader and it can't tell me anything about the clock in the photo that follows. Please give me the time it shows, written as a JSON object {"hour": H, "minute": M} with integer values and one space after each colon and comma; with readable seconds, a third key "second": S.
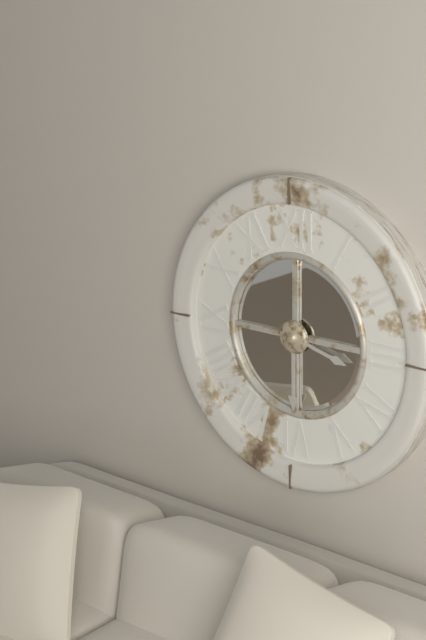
{"hour": 3, "minute": 30}
